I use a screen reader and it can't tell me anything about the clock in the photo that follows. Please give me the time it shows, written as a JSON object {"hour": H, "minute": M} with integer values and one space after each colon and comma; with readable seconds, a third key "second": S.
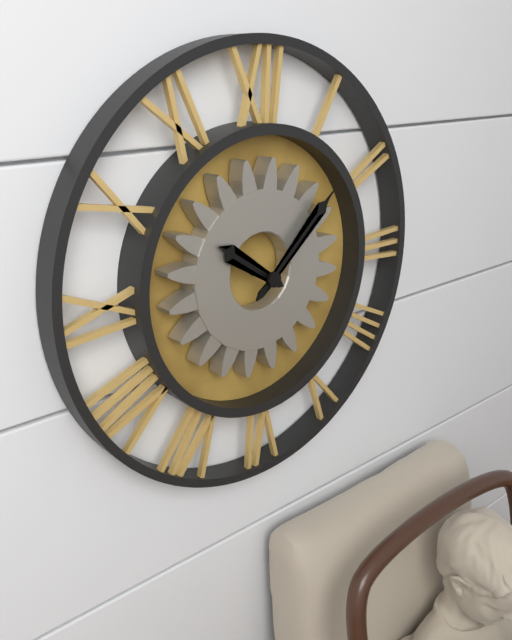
{"hour": 10, "minute": 8}
